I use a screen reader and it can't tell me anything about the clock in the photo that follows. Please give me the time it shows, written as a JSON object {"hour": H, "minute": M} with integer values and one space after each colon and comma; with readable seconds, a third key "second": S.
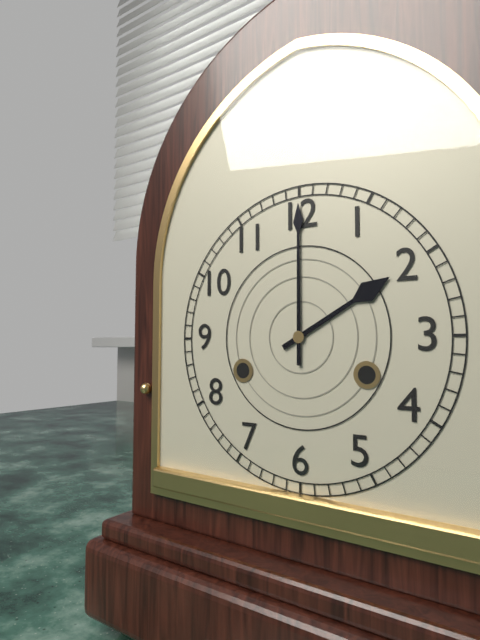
{"hour": 2, "minute": 0}
